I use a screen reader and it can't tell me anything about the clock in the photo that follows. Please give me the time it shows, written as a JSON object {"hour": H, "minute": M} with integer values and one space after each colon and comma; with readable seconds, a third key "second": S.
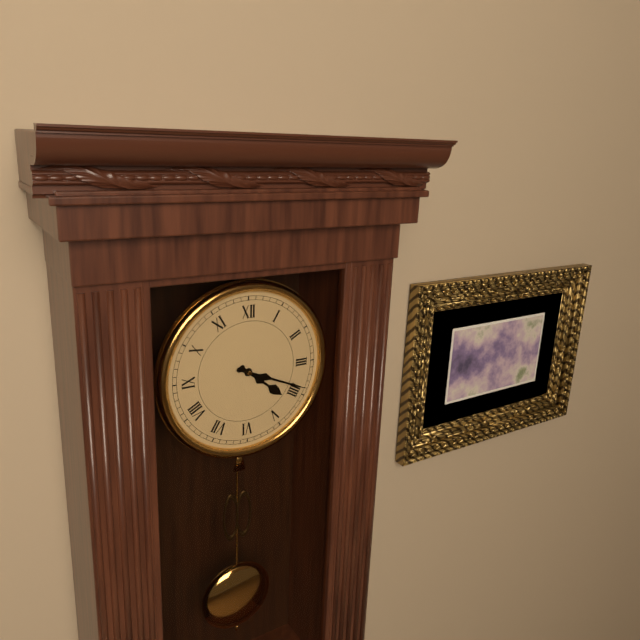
{"hour": 4, "minute": 19}
